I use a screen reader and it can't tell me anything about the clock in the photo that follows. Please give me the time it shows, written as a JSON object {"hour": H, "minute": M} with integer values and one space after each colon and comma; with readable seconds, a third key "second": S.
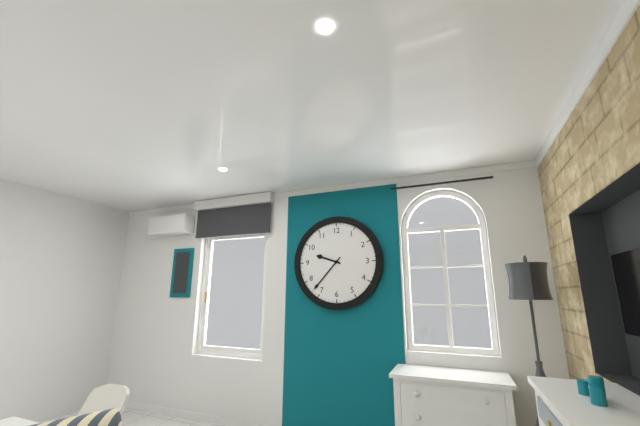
{"hour": 9, "minute": 37}
